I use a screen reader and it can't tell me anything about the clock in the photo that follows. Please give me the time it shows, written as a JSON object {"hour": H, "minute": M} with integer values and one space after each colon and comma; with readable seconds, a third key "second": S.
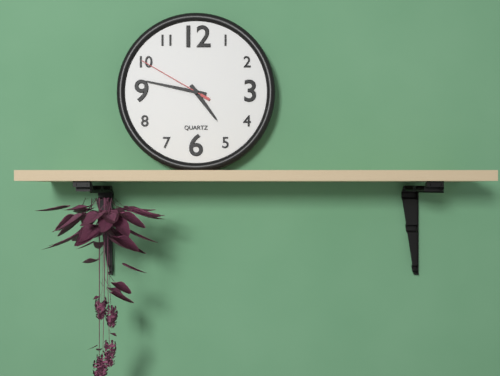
{"hour": 4, "minute": 47, "second": 50}
